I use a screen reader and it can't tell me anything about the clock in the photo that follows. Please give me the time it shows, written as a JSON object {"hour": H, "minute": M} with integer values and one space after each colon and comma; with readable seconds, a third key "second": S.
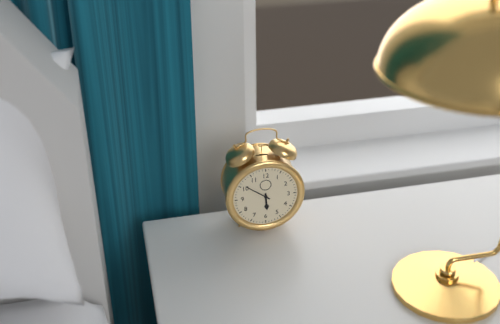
{"hour": 5, "minute": 51}
